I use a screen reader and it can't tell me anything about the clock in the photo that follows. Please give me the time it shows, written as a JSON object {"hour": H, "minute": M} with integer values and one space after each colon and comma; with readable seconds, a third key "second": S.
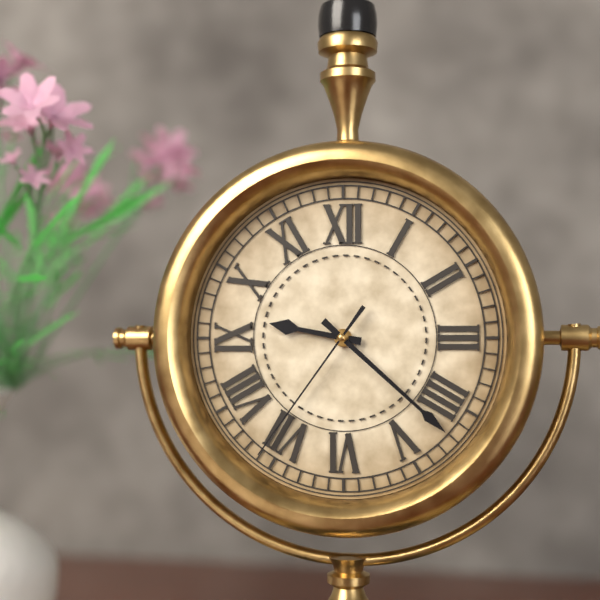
{"hour": 9, "minute": 22, "second": 36}
